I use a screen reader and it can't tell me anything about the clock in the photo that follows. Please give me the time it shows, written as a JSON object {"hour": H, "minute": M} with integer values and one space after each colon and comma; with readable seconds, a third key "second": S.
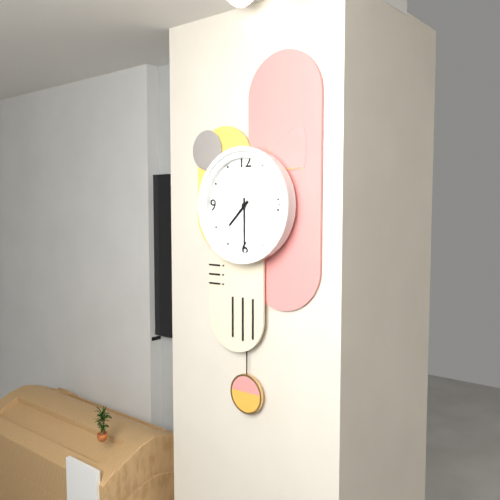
{"hour": 7, "minute": 30}
